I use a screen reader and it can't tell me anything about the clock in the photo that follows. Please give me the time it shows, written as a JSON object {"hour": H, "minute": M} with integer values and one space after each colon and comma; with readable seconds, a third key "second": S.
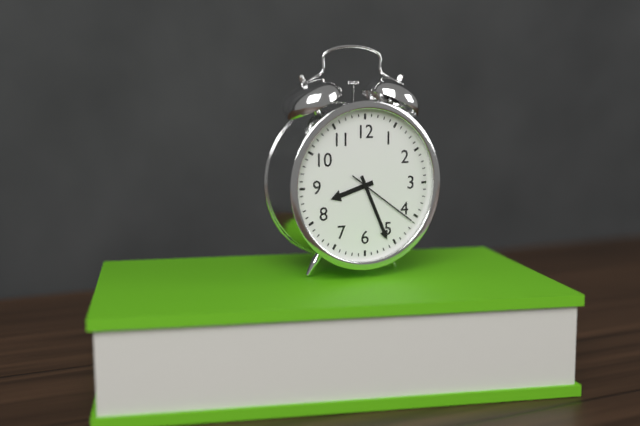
{"hour": 8, "minute": 26, "second": 21}
